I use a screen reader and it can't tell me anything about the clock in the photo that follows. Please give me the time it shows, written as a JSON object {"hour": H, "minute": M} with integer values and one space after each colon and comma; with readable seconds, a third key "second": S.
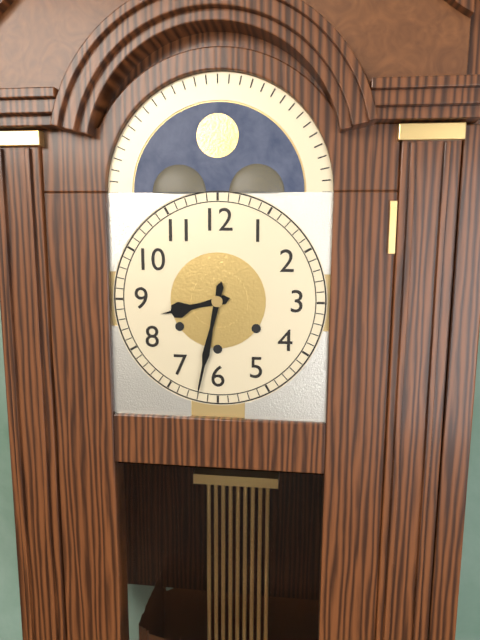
{"hour": 8, "minute": 32}
